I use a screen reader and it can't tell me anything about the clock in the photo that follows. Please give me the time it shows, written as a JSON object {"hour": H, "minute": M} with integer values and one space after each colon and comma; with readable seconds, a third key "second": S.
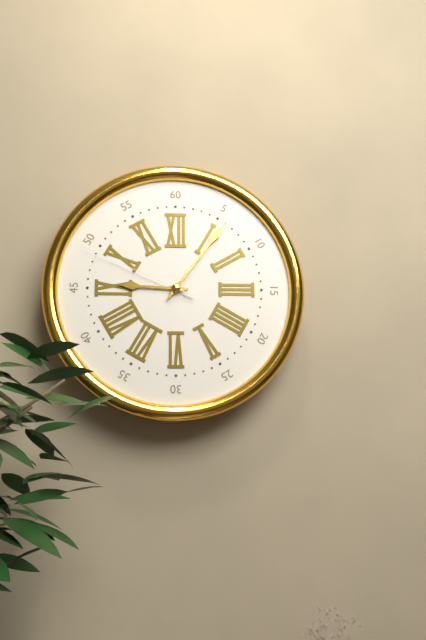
{"hour": 9, "minute": 6, "second": 49}
